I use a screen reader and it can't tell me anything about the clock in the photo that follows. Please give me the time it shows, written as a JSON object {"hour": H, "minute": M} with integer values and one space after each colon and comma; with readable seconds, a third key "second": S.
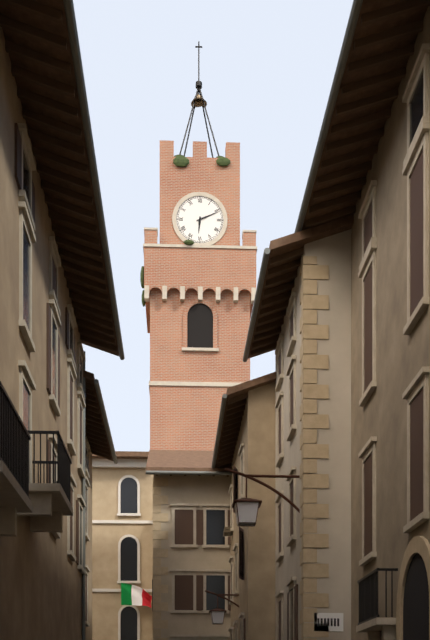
{"hour": 6, "minute": 11}
